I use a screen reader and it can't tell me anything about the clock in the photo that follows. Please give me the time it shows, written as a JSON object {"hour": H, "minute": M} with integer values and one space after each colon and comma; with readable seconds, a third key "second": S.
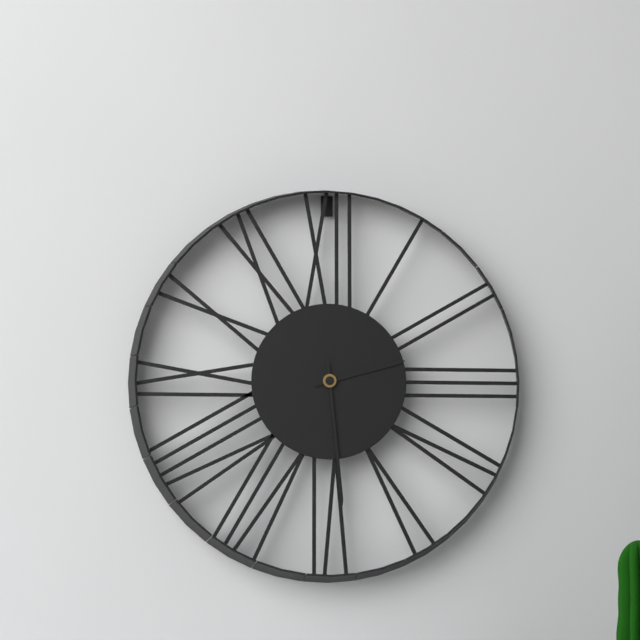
{"hour": 2, "minute": 29}
